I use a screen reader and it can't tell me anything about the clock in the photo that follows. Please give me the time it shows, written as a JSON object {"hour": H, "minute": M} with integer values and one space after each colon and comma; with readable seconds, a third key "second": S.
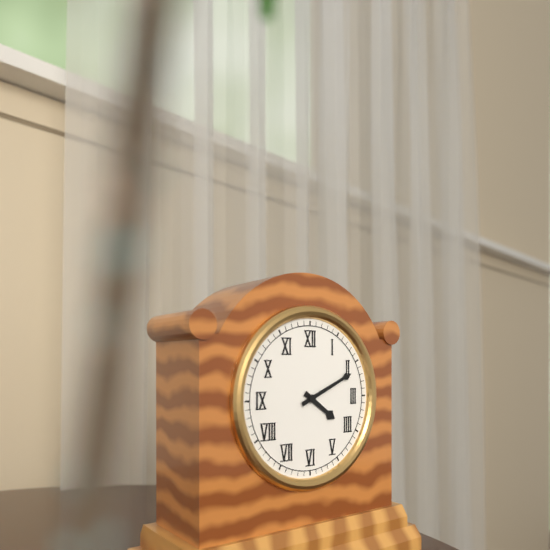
{"hour": 4, "minute": 11}
